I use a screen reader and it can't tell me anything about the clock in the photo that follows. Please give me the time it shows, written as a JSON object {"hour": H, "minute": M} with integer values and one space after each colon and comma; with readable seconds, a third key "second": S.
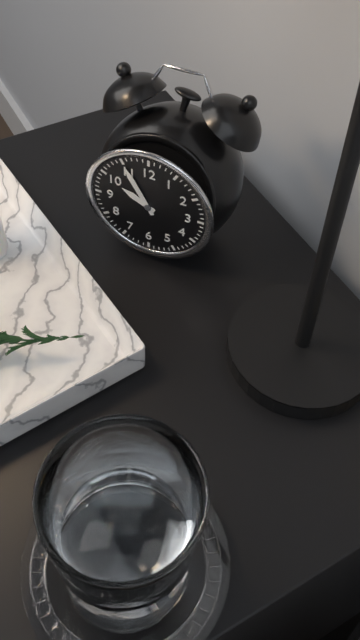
{"hour": 9, "minute": 55}
